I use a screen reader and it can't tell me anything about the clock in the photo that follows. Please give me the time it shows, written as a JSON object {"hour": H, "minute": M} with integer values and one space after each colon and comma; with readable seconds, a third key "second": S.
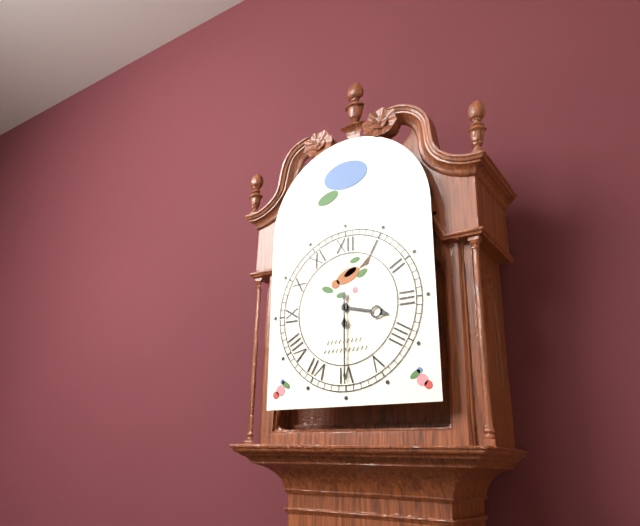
{"hour": 3, "minute": 30}
